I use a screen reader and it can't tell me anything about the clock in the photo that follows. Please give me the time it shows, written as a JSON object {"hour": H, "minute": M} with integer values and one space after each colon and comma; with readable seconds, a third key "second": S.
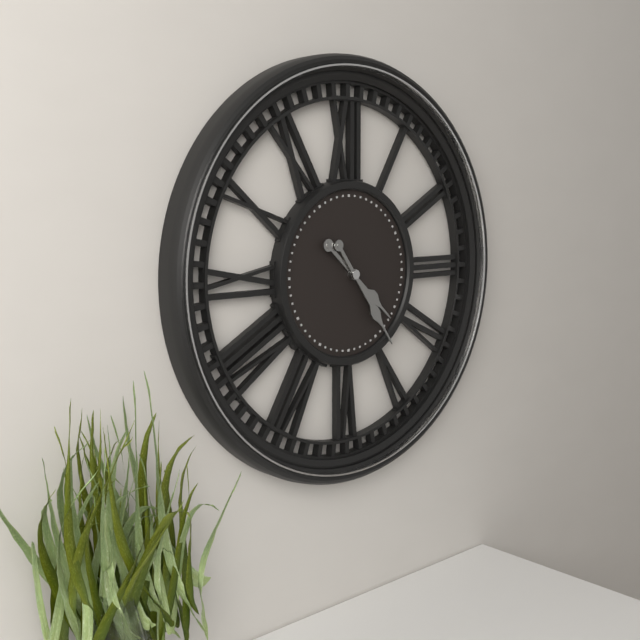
{"hour": 4, "minute": 24}
